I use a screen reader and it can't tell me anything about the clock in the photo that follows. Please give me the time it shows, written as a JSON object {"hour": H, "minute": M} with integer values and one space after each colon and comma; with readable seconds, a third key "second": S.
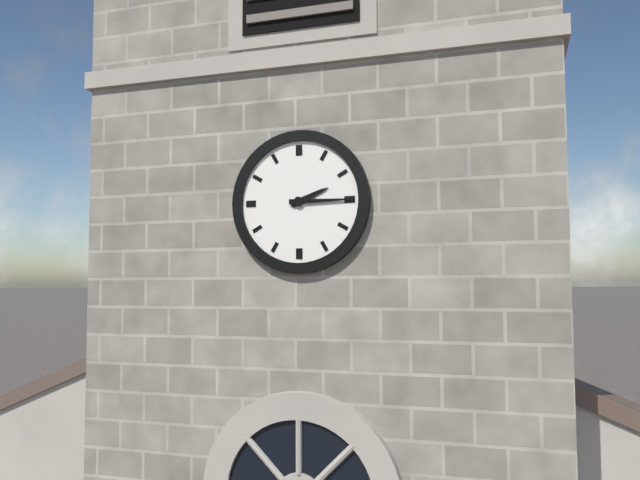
{"hour": 2, "minute": 15}
